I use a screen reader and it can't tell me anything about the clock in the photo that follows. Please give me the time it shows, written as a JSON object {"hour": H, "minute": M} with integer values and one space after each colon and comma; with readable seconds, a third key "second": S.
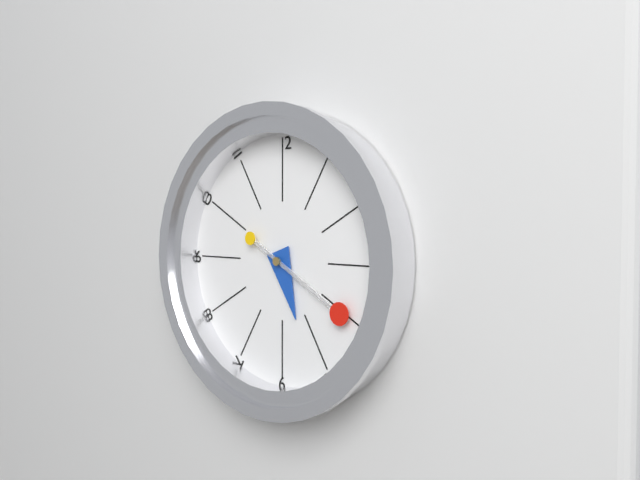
{"hour": 5, "minute": 20}
